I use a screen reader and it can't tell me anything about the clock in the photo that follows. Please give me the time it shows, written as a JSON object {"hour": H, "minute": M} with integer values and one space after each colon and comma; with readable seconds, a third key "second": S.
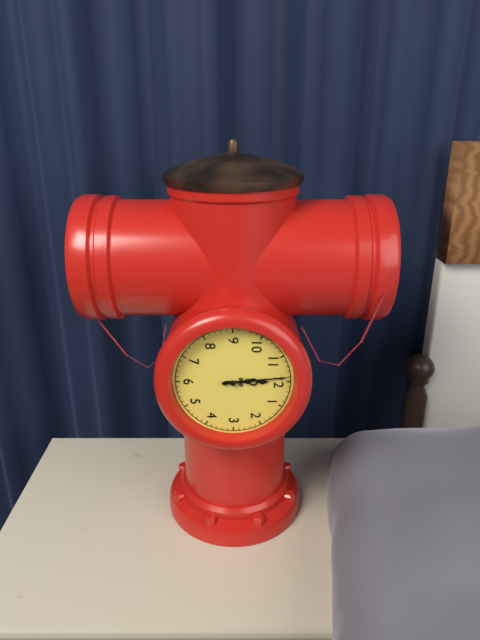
{"hour": 11, "minute": 59}
